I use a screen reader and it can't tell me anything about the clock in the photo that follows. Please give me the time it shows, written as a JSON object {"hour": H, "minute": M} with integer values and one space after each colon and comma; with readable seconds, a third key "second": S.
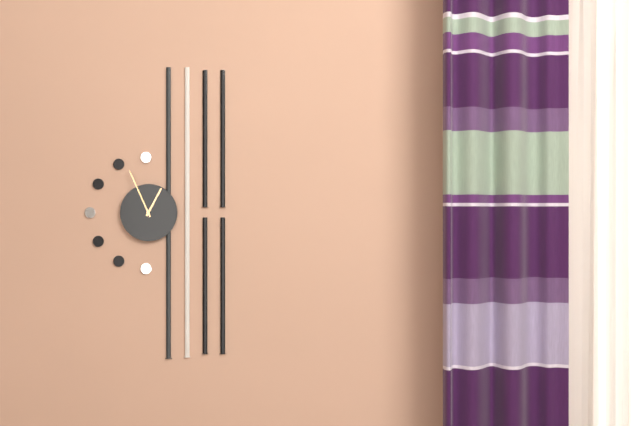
{"hour": 12, "minute": 56}
